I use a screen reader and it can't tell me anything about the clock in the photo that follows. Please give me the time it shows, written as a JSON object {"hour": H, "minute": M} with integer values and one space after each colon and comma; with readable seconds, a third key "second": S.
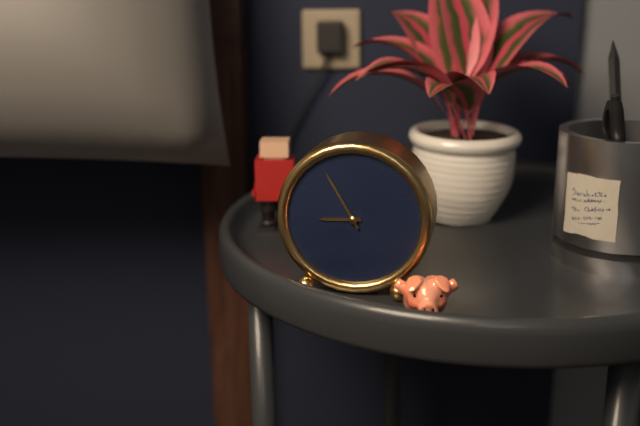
{"hour": 8, "minute": 55}
